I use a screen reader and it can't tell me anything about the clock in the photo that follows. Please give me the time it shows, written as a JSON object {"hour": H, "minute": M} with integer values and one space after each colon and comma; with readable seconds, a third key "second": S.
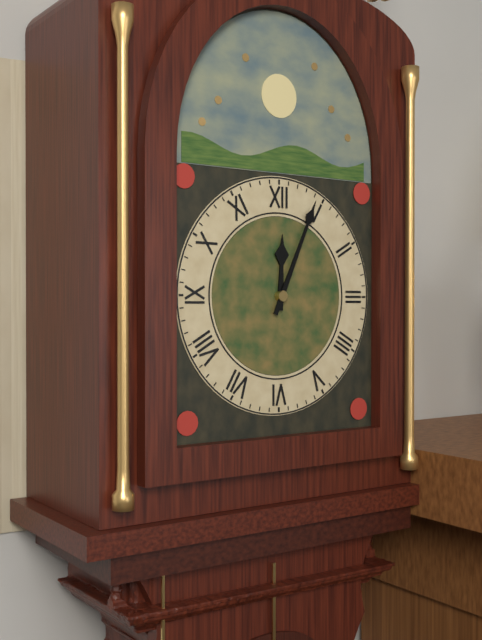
{"hour": 12, "minute": 4}
